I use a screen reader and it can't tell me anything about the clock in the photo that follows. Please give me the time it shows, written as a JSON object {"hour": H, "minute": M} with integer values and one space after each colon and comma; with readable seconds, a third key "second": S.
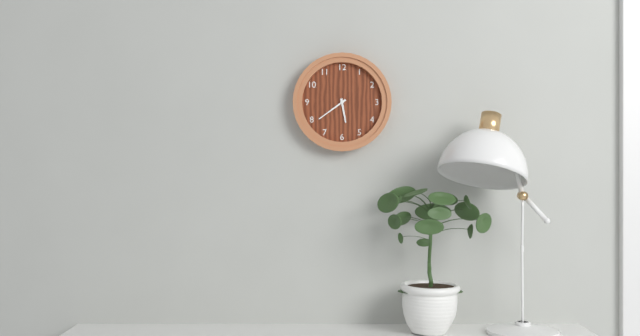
{"hour": 5, "minute": 39}
